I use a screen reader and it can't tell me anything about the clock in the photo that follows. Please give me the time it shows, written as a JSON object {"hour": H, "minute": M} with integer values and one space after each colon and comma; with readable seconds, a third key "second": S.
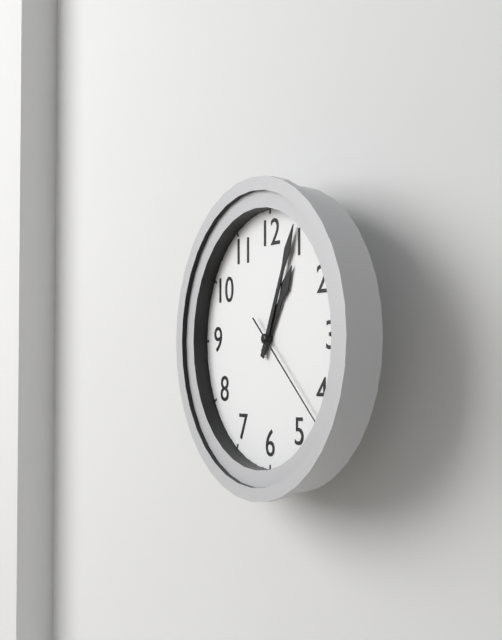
{"hour": 1, "minute": 4, "second": 22}
